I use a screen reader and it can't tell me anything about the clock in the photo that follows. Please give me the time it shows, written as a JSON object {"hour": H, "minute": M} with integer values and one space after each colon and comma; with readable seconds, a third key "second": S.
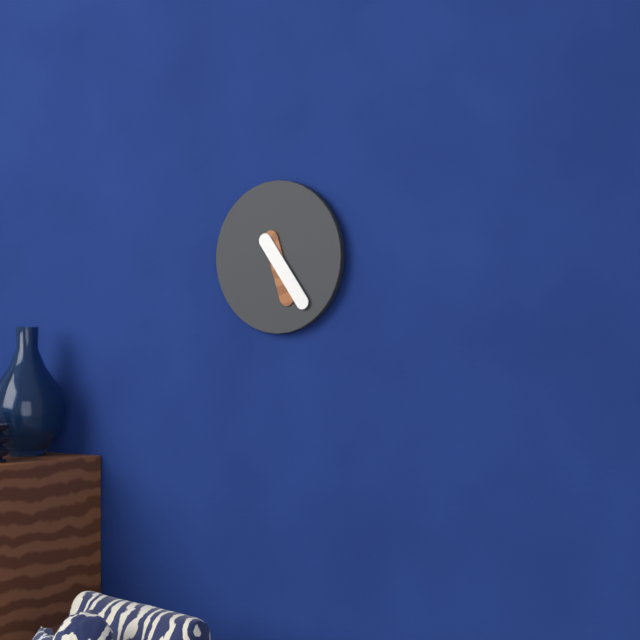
{"hour": 5, "minute": 24}
